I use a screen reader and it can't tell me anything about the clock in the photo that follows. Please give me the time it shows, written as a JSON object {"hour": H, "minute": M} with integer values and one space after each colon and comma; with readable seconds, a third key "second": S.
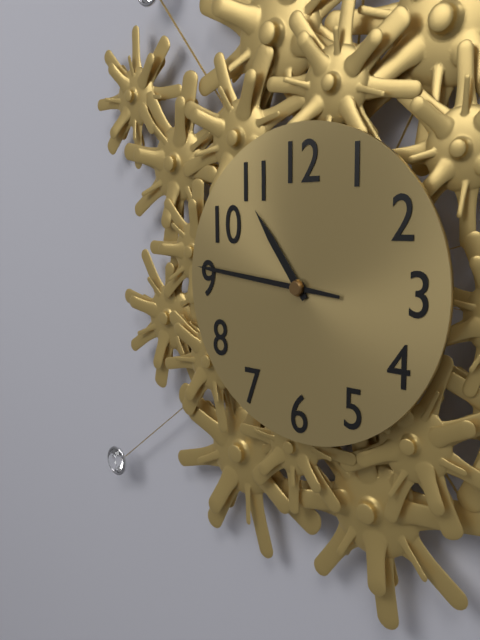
{"hour": 10, "minute": 46}
